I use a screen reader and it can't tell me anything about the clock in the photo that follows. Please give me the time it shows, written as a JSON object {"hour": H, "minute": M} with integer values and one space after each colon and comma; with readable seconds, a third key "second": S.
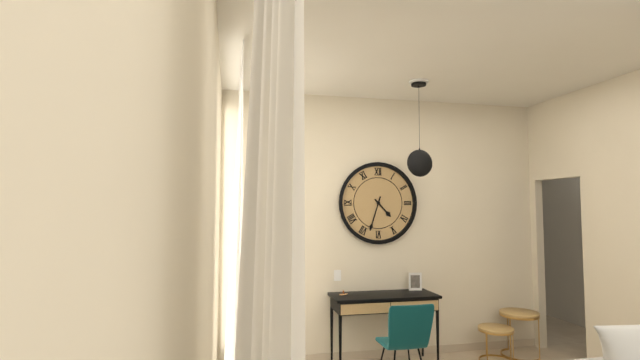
{"hour": 4, "minute": 33}
